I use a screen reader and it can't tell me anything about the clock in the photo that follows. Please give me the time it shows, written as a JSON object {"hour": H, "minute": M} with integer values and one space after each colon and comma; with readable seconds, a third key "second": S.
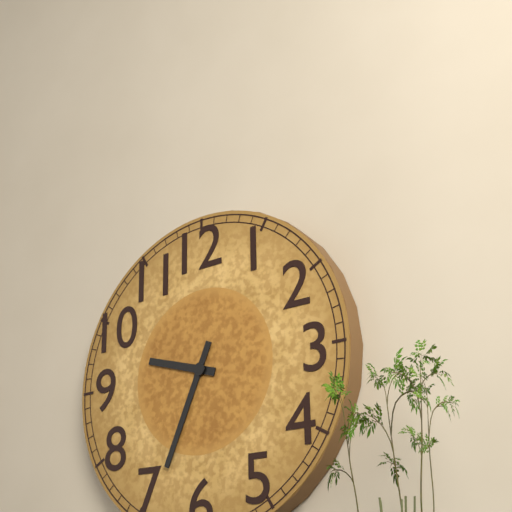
{"hour": 9, "minute": 34}
